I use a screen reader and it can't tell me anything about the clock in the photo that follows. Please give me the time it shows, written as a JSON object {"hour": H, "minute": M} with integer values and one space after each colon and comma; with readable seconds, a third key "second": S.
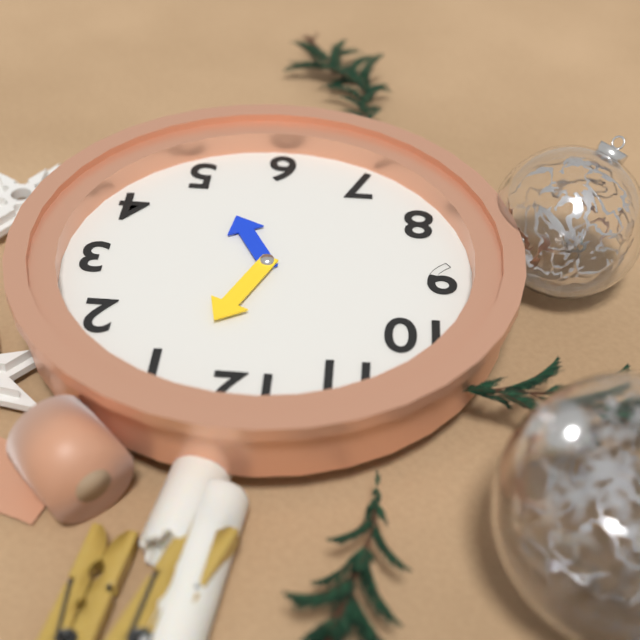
{"hour": 5, "minute": 4}
